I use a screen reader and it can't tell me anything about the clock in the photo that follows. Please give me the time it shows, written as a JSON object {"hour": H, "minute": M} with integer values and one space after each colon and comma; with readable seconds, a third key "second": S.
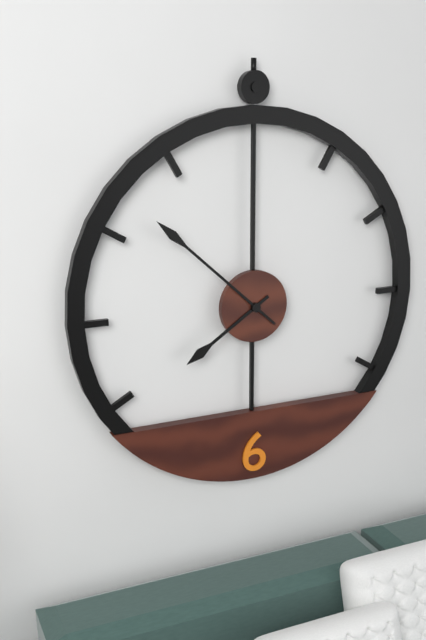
{"hour": 7, "minute": 52}
